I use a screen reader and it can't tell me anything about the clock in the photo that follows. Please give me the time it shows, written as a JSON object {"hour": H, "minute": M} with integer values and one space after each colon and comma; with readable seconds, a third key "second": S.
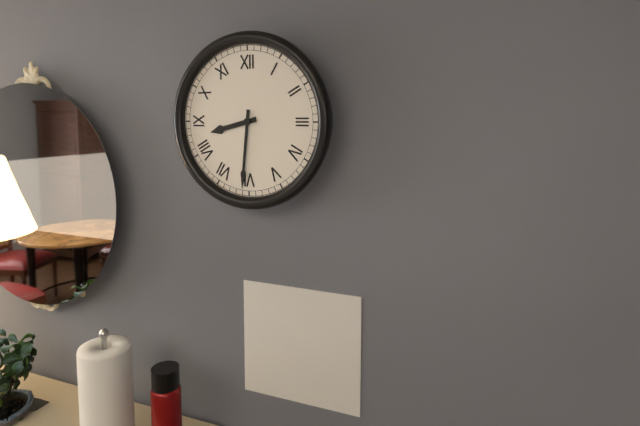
{"hour": 8, "minute": 31}
